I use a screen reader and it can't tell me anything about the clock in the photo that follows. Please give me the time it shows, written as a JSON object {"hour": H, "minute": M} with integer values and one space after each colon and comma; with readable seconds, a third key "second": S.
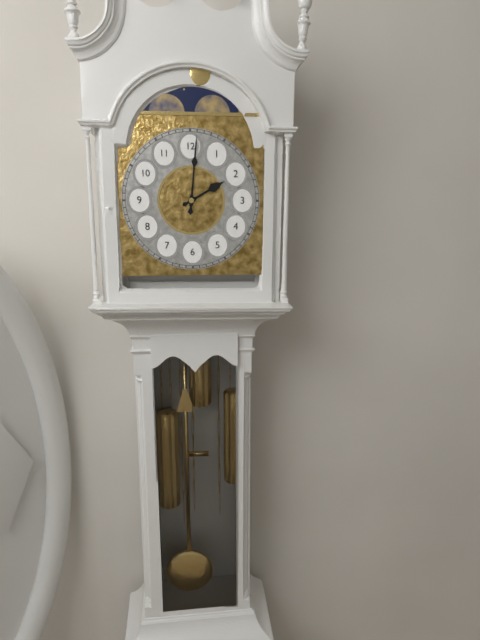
{"hour": 2, "minute": 1}
